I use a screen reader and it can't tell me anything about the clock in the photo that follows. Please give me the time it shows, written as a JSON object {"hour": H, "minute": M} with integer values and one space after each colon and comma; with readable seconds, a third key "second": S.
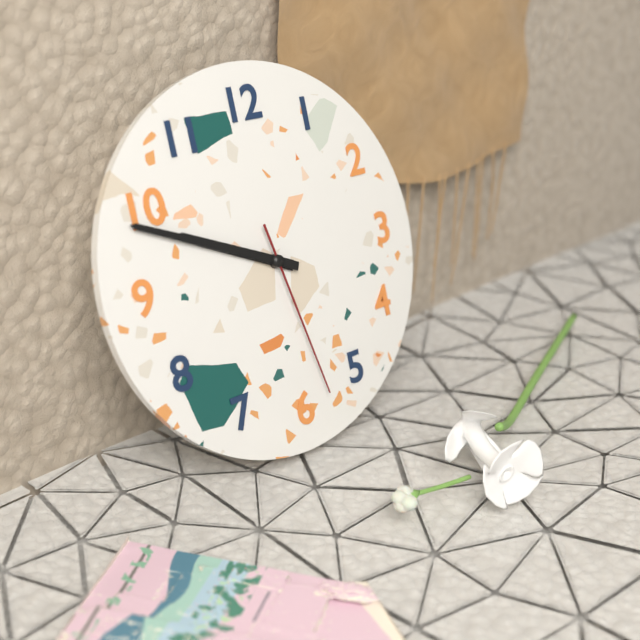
{"hour": 9, "minute": 49, "second": 28}
